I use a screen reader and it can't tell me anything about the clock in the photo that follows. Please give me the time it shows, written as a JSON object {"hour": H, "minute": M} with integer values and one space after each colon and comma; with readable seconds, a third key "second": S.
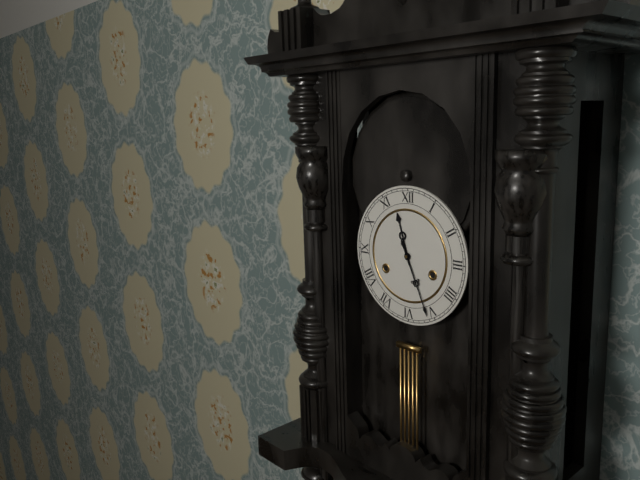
{"hour": 11, "minute": 26}
